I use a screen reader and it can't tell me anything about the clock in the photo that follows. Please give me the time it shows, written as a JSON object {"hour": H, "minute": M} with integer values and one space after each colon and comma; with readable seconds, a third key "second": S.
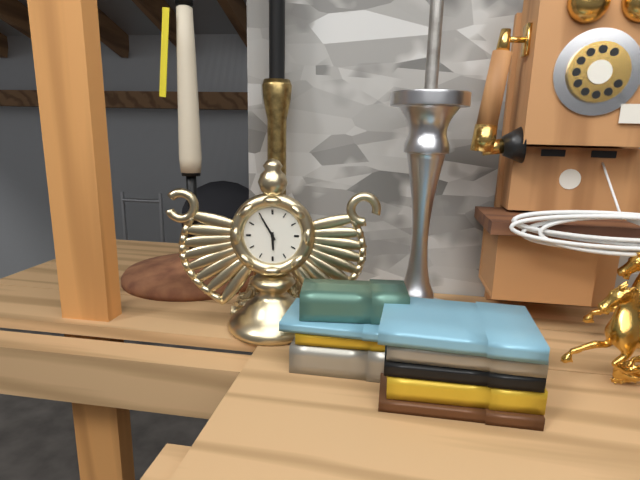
{"hour": 5, "minute": 55}
